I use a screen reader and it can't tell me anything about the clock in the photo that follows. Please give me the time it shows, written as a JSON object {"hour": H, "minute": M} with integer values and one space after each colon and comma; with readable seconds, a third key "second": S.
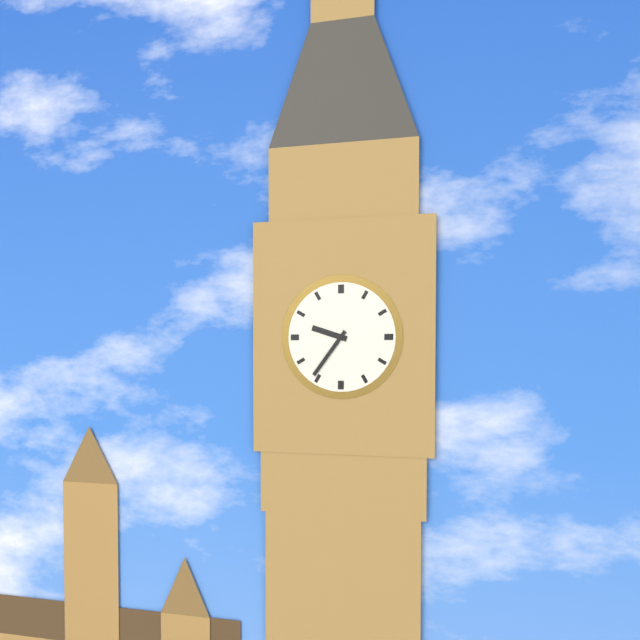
{"hour": 9, "minute": 36}
